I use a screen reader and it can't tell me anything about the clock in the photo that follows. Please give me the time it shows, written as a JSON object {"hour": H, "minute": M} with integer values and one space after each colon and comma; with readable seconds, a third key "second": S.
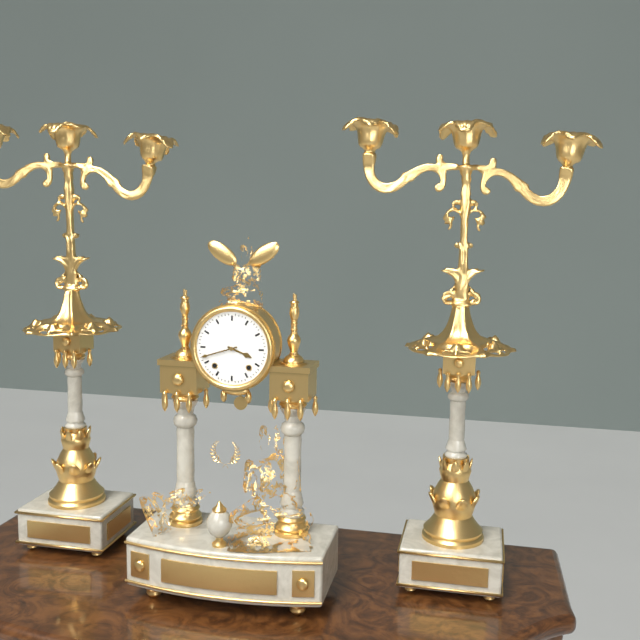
{"hour": 3, "minute": 42}
